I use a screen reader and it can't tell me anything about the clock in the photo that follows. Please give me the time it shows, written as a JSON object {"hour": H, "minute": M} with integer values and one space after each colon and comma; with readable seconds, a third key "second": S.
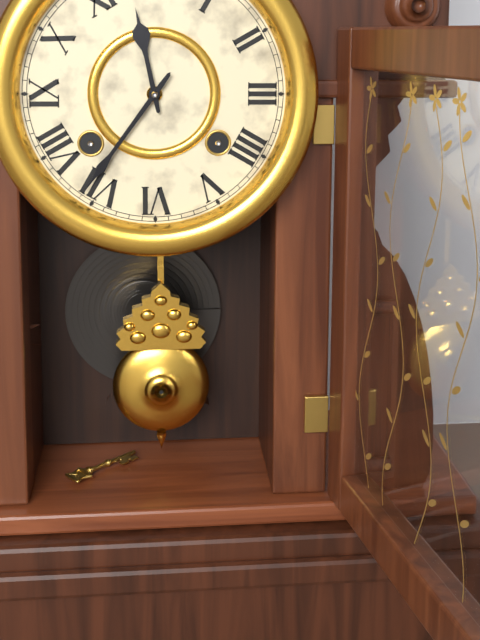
{"hour": 11, "minute": 36}
